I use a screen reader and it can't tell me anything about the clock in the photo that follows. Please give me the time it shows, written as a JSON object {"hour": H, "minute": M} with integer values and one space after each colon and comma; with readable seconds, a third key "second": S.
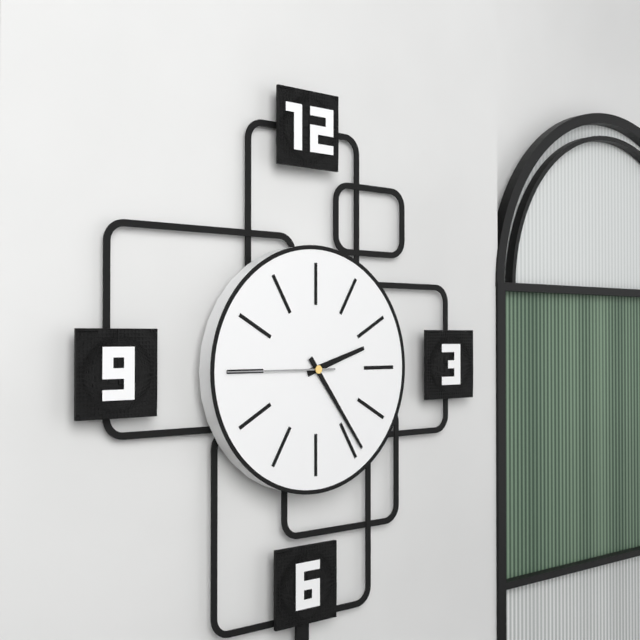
{"hour": 2, "minute": 24, "second": 45}
